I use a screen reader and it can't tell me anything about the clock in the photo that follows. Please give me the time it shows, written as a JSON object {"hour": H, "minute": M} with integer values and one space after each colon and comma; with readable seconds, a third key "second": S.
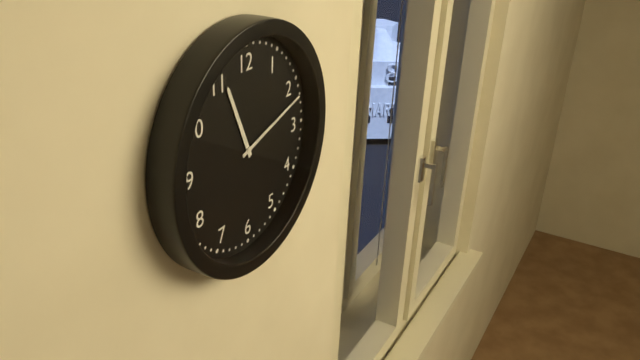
{"hour": 11, "minute": 12}
